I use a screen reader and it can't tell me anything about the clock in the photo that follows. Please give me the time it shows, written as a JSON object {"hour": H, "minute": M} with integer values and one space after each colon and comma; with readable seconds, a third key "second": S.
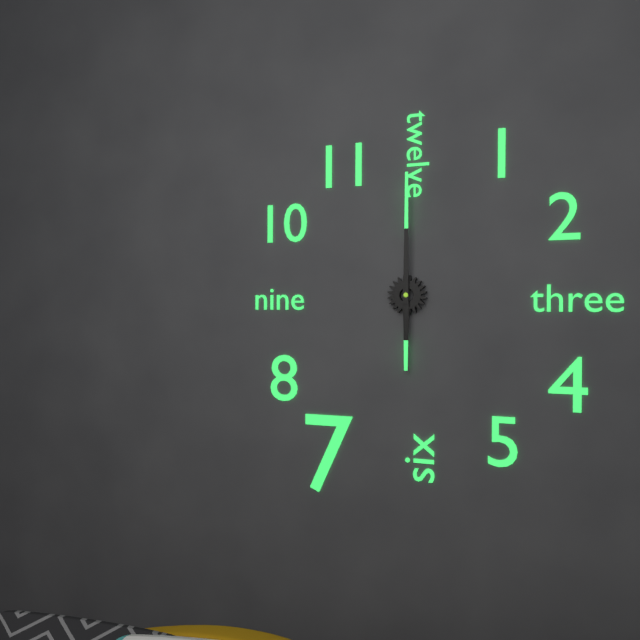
{"hour": 6, "minute": 0}
